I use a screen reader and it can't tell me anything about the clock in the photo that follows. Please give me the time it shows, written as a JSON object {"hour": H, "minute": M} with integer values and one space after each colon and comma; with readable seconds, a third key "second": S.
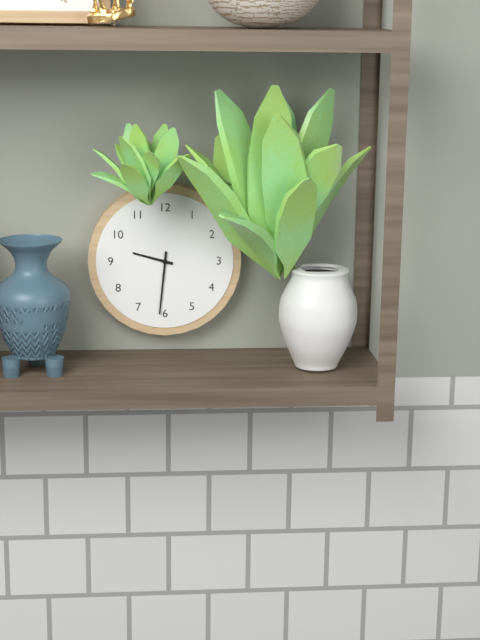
{"hour": 9, "minute": 31}
